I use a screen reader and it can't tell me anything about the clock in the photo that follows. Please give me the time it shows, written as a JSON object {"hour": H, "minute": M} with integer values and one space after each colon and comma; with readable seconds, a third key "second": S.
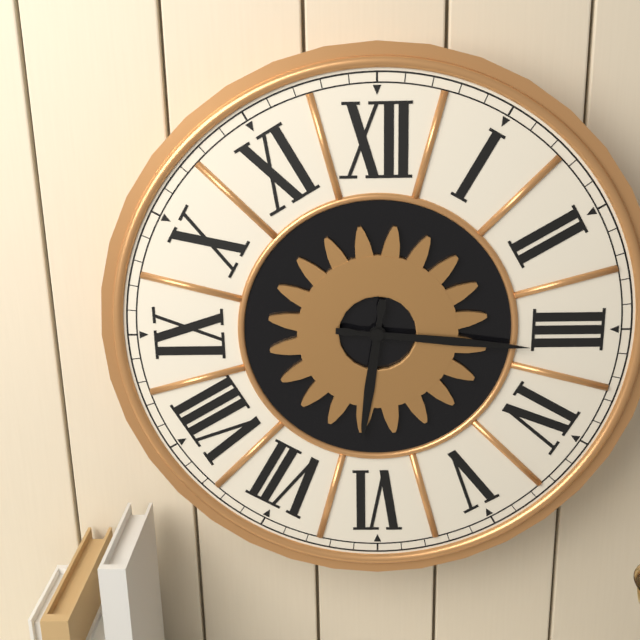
{"hour": 6, "minute": 16}
